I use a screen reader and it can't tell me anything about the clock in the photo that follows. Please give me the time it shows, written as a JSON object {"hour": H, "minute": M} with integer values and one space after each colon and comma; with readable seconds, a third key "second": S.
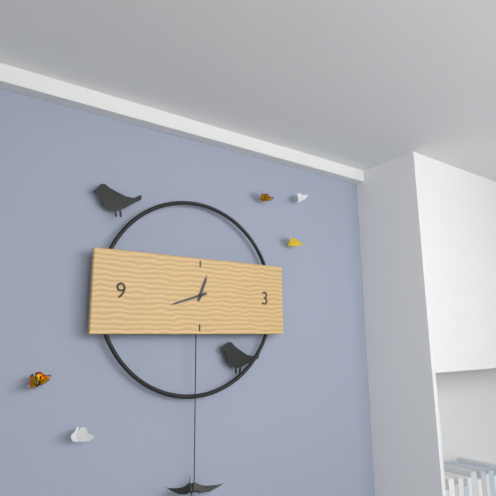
{"hour": 12, "minute": 42}
